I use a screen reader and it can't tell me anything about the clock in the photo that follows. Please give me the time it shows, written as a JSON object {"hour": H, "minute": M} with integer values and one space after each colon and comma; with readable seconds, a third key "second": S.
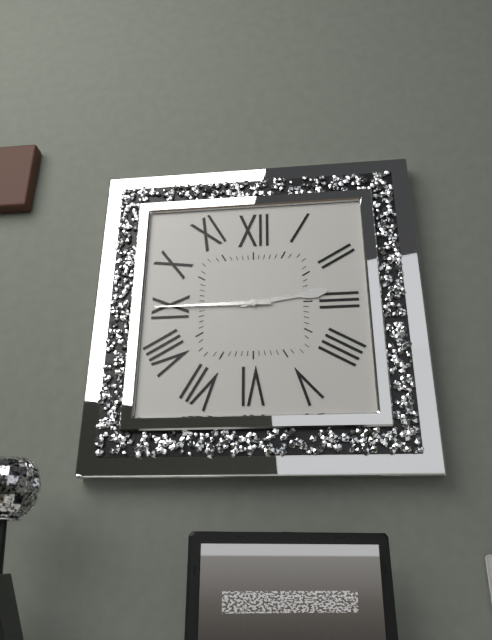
{"hour": 2, "minute": 45}
